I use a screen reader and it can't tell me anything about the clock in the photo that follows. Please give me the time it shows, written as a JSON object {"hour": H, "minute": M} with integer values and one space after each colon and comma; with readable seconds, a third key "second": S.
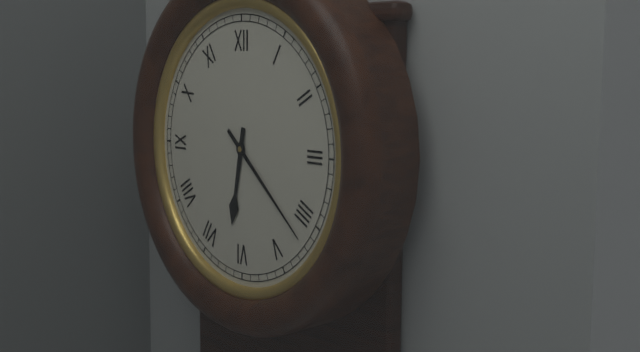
{"hour": 6, "minute": 22}
